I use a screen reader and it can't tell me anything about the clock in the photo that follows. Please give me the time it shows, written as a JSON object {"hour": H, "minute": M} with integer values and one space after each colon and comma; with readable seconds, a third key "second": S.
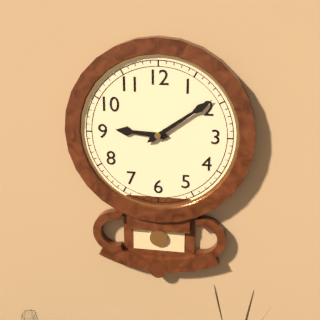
{"hour": 9, "minute": 9}
